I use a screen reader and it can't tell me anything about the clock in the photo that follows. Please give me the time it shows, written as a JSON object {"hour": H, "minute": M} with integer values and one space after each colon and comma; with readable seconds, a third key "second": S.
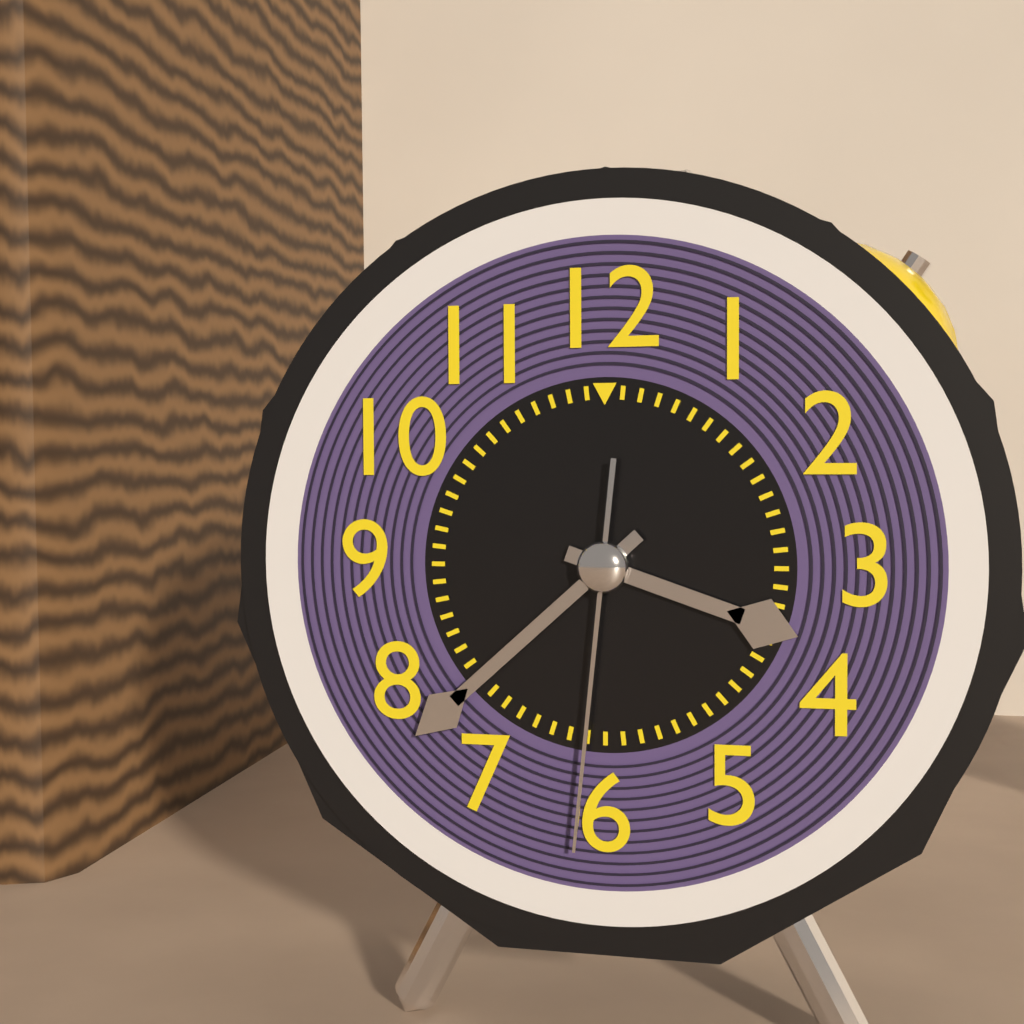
{"hour": 3, "minute": 38, "second": 31}
